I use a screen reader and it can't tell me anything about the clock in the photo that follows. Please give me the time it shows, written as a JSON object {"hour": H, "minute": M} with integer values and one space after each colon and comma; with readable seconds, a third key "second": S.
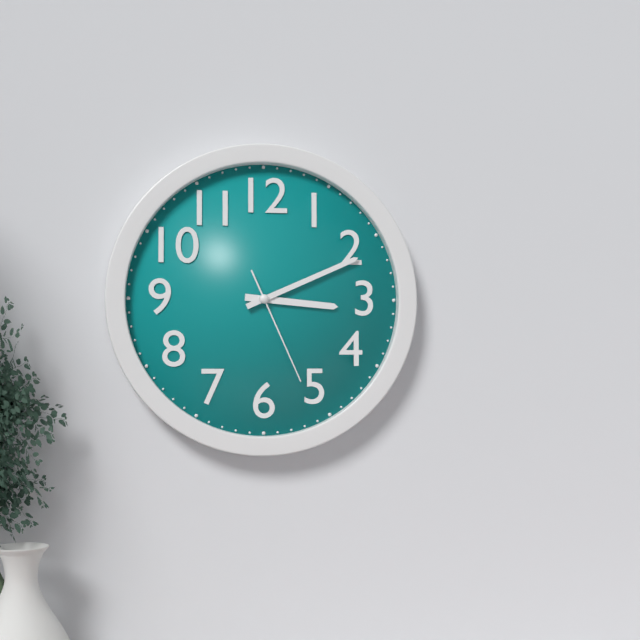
{"hour": 3, "minute": 11, "second": 26}
